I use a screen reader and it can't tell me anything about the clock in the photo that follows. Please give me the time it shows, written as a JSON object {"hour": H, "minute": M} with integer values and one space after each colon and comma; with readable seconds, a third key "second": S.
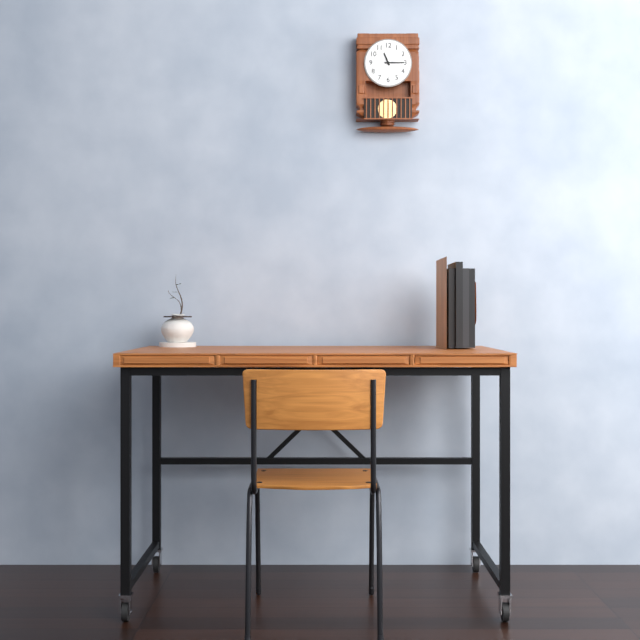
{"hour": 11, "minute": 15}
